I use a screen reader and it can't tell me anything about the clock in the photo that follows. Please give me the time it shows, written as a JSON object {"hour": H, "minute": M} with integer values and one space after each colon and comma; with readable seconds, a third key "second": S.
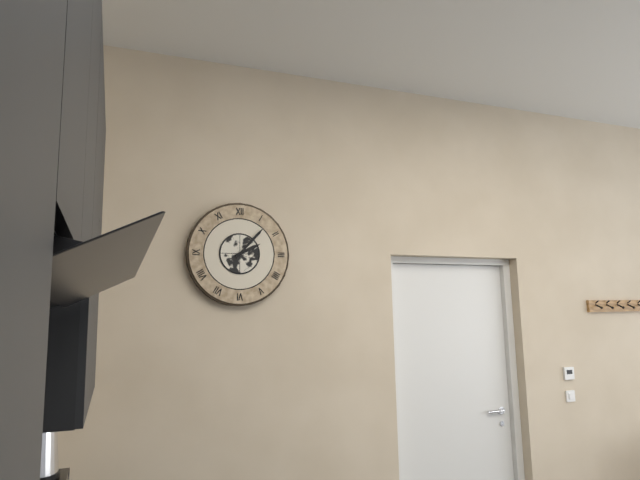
{"hour": 2, "minute": 7}
